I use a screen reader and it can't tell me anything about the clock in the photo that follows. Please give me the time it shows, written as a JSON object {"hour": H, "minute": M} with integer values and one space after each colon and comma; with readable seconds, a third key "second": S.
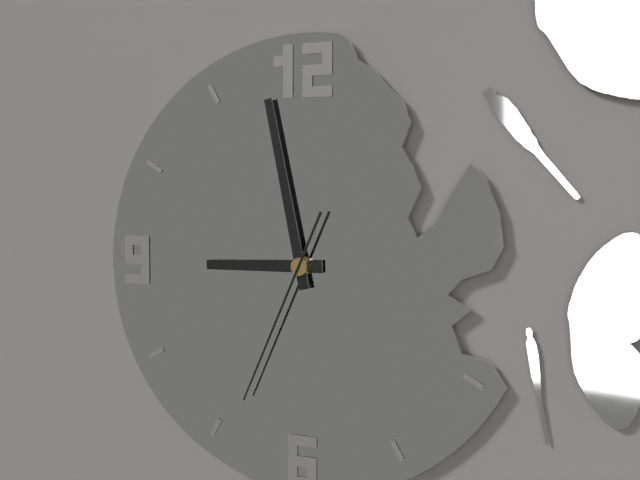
{"hour": 8, "minute": 58, "second": 34}
